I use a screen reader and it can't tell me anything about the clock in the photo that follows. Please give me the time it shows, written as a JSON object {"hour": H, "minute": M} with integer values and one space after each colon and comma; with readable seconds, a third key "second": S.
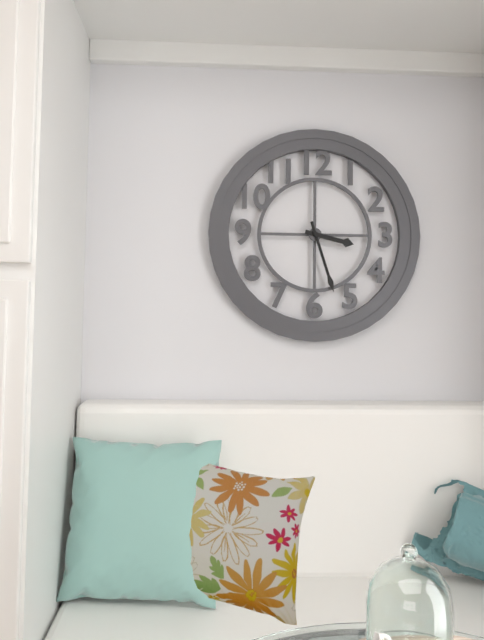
{"hour": 3, "minute": 27}
